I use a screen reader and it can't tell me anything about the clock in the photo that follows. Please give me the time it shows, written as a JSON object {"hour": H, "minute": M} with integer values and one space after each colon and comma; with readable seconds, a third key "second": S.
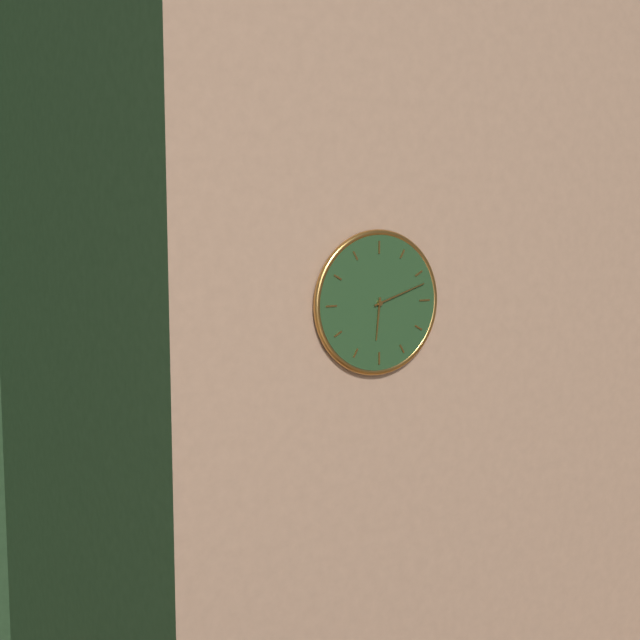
{"hour": 6, "minute": 12}
